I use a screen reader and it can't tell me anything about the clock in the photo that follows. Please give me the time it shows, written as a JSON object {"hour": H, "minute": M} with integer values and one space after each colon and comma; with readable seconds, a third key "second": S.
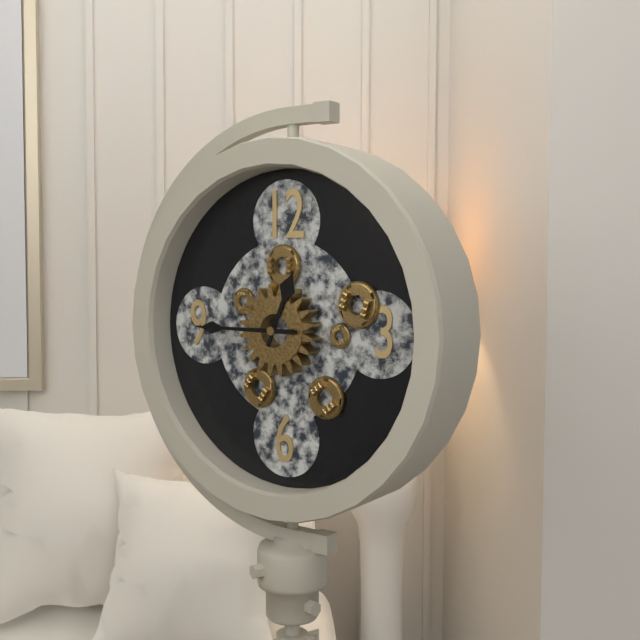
{"hour": 12, "minute": 45}
